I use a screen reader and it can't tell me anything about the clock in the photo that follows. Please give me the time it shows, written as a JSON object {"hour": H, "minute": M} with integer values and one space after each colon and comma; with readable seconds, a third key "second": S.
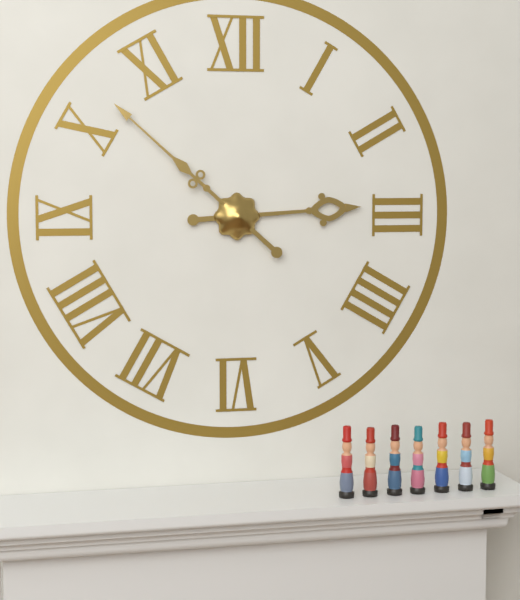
{"hour": 2, "minute": 52}
